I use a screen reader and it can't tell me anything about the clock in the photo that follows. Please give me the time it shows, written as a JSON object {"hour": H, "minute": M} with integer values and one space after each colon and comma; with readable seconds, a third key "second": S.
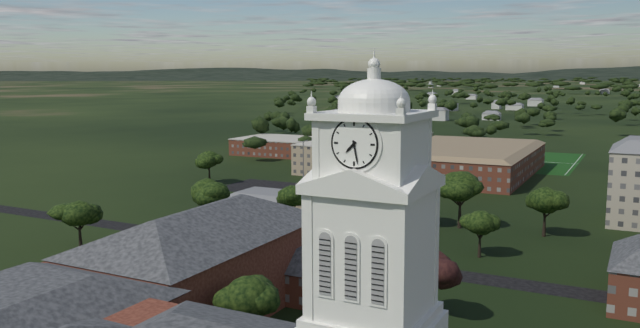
{"hour": 7, "minute": 28}
